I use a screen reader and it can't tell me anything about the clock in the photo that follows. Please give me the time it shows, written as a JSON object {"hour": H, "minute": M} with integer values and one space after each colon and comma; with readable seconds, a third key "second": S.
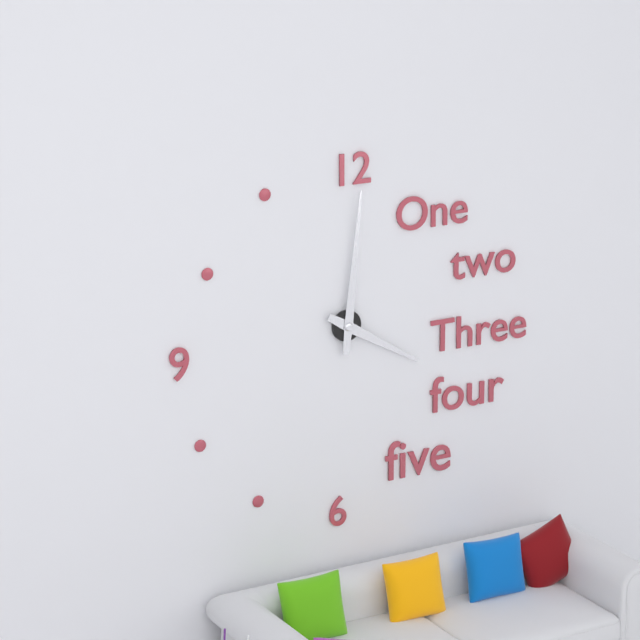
{"hour": 4, "minute": 1}
